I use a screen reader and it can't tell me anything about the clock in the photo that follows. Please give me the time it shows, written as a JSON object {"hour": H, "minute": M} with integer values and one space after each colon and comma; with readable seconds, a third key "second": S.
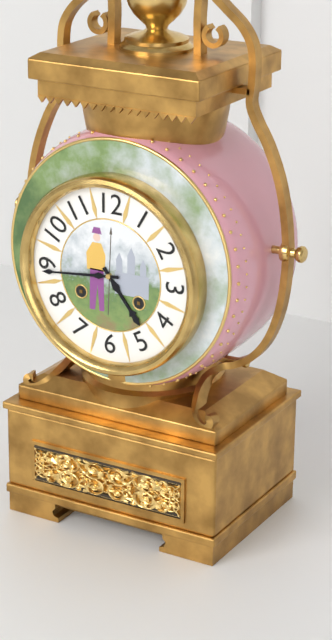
{"hour": 4, "minute": 44}
